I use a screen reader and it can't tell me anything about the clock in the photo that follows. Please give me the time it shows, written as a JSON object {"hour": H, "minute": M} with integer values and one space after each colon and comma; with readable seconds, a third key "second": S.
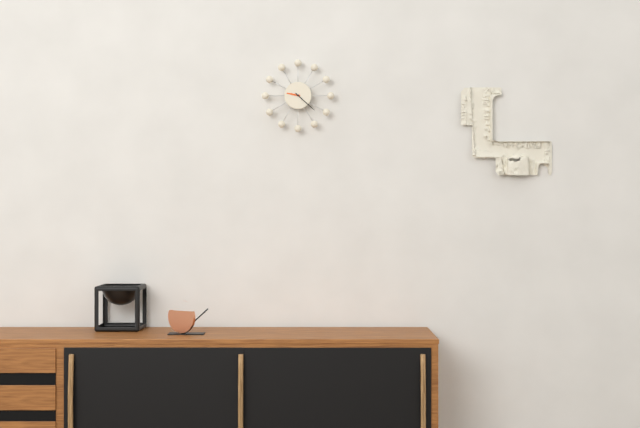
{"hour": 9, "minute": 22}
